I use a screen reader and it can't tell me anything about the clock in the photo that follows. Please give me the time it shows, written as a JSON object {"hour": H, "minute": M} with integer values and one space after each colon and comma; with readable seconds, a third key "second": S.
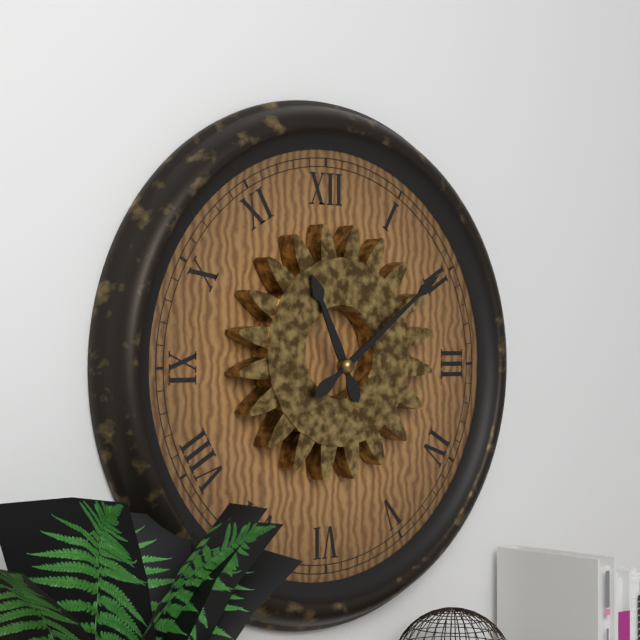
{"hour": 11, "minute": 9}
